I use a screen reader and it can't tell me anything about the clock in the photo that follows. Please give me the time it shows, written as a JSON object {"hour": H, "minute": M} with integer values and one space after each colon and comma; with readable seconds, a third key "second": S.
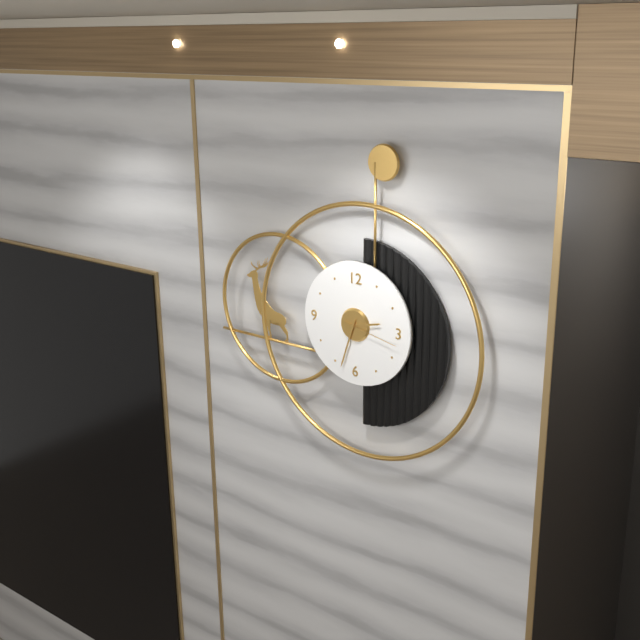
{"hour": 2, "minute": 33, "second": 17}
